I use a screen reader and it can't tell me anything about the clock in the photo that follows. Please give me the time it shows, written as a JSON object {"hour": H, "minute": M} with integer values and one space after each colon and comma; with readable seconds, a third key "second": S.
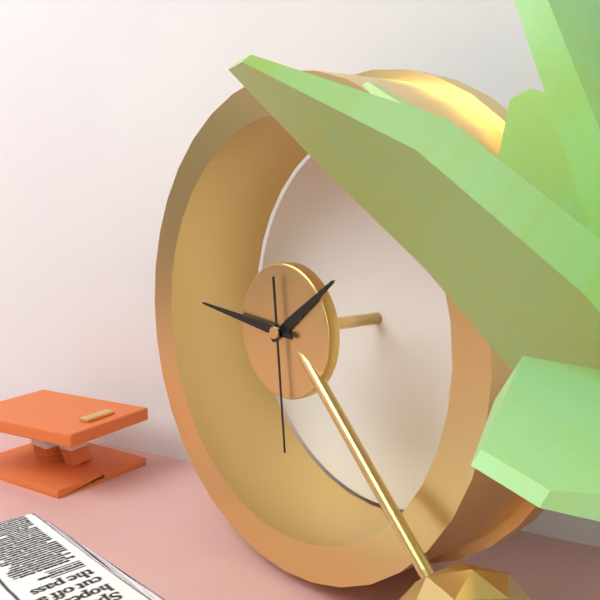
{"hour": 1, "minute": 46, "second": 29}
